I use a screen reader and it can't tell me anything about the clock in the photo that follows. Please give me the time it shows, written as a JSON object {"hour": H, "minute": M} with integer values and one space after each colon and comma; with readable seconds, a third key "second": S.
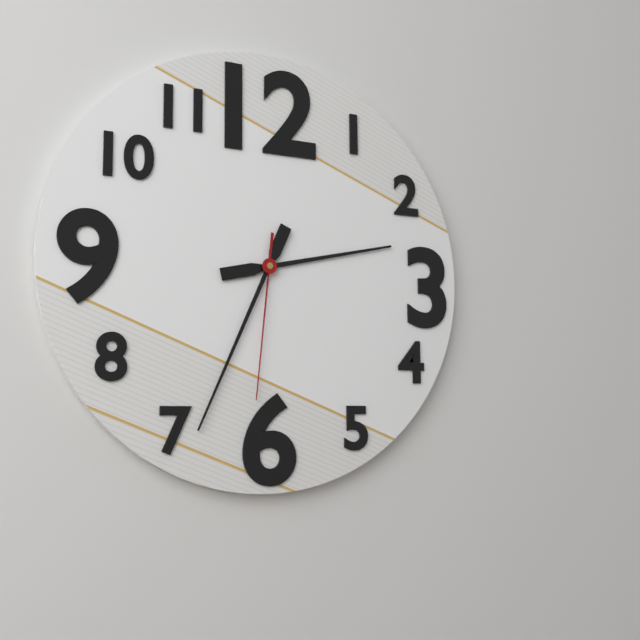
{"hour": 2, "minute": 34, "second": 31}
